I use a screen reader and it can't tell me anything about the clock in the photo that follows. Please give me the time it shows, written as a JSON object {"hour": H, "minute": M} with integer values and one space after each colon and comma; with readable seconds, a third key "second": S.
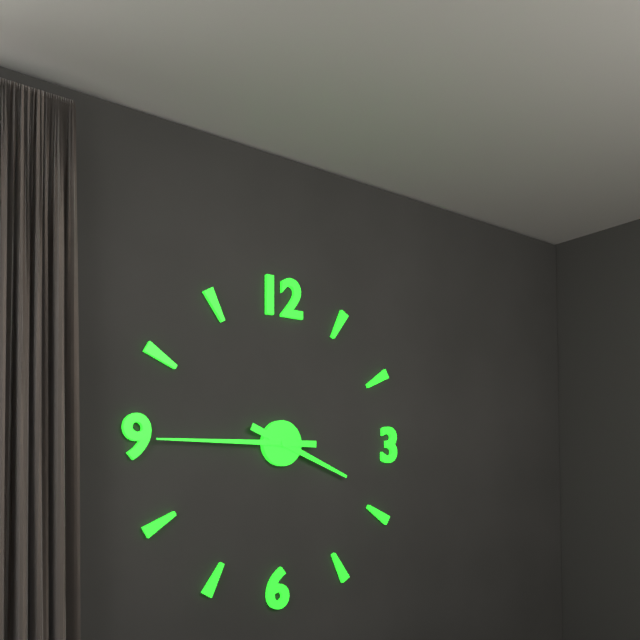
{"hour": 3, "minute": 45}
